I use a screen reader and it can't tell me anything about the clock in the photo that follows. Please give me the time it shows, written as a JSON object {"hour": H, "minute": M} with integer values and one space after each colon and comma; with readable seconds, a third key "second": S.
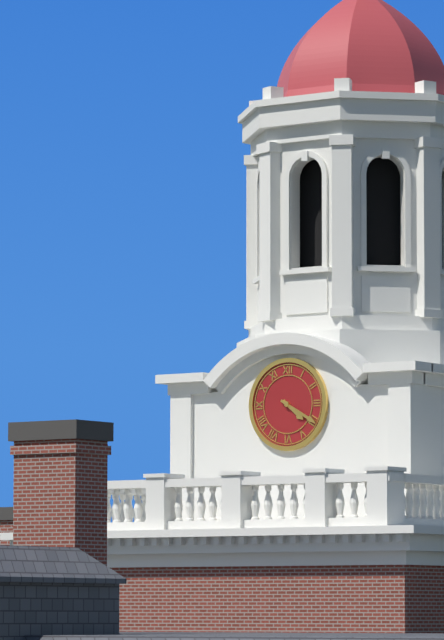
{"hour": 4, "minute": 20}
